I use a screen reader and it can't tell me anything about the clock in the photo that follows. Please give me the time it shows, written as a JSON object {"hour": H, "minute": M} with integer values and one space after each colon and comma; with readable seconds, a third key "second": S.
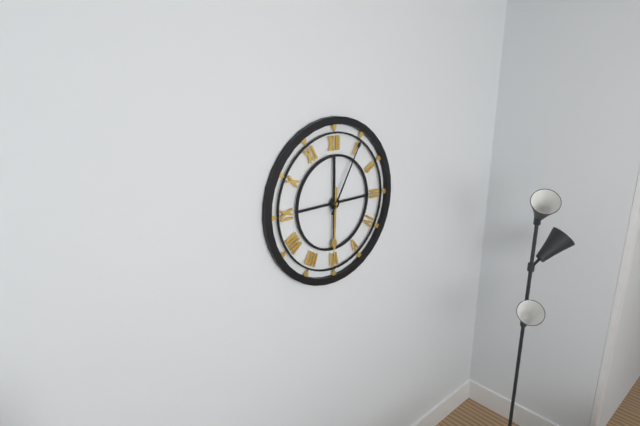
{"hour": 6, "minute": 5}
